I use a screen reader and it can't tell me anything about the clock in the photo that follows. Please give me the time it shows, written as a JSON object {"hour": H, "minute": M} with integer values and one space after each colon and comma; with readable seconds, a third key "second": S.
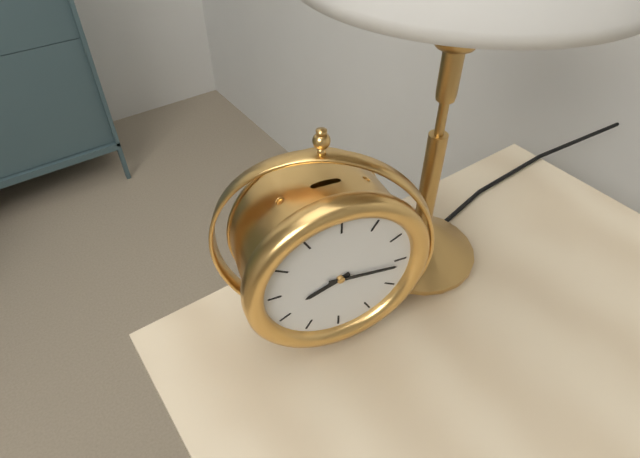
{"hour": 8, "minute": 16}
